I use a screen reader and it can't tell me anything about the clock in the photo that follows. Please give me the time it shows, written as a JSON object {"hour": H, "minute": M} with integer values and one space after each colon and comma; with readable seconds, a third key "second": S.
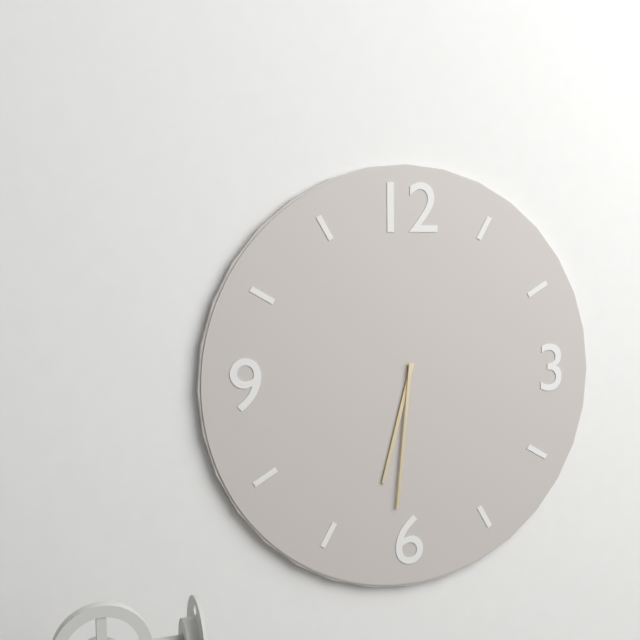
{"hour": 6, "minute": 31}
